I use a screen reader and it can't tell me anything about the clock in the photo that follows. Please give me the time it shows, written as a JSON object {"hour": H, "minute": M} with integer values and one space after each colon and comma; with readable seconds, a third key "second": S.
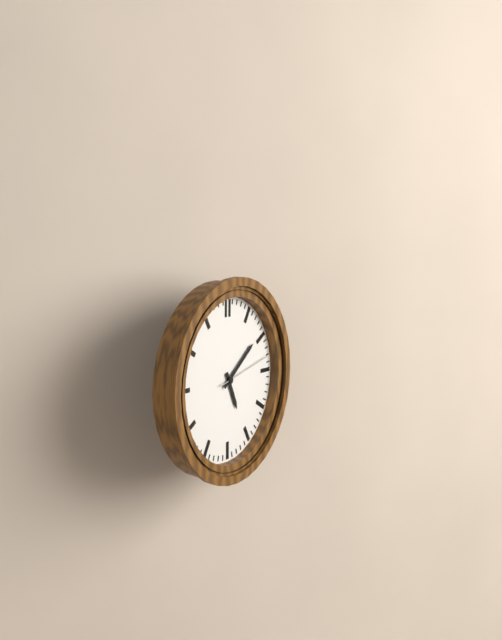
{"hour": 5, "minute": 9, "second": 13}
